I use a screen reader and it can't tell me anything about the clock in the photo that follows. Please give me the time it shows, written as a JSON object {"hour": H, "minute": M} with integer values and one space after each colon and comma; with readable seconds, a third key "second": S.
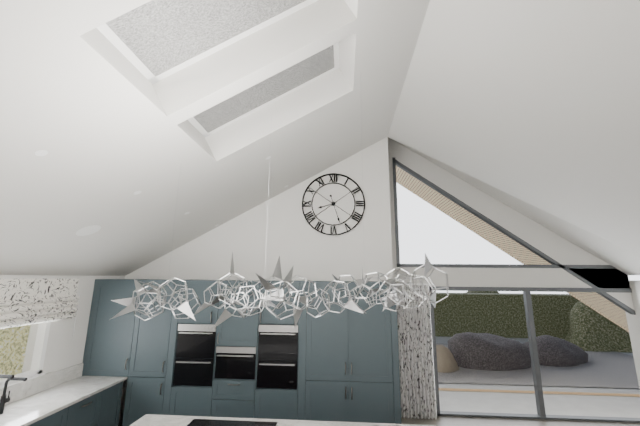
{"hour": 8, "minute": 27}
